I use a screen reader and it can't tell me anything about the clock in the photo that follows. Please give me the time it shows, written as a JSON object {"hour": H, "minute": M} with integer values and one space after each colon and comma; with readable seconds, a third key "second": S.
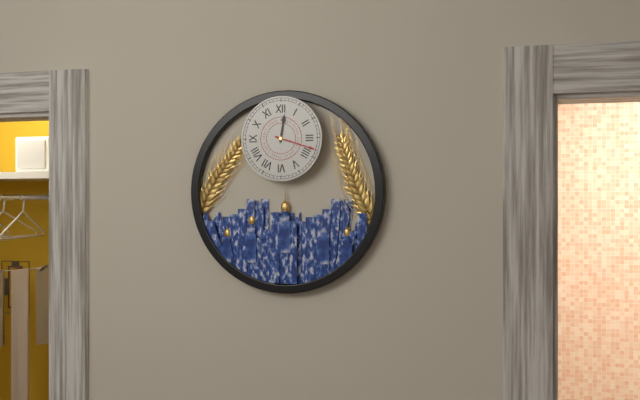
{"hour": 12, "minute": 18}
